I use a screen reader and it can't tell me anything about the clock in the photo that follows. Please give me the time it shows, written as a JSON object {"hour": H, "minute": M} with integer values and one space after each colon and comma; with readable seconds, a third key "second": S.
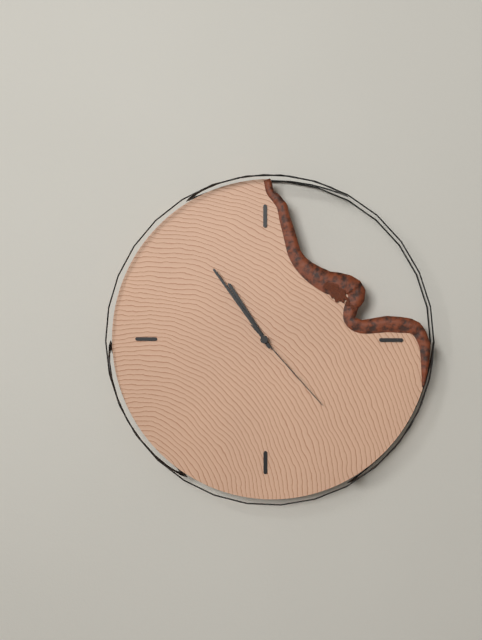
{"hour": 10, "minute": 54, "second": 23}
